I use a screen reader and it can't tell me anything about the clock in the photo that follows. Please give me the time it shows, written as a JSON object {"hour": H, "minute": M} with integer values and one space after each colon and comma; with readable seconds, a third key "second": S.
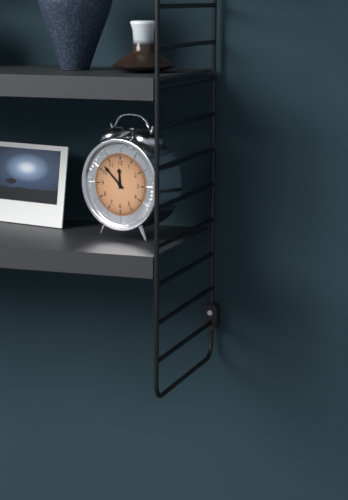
{"hour": 11, "minute": 52}
